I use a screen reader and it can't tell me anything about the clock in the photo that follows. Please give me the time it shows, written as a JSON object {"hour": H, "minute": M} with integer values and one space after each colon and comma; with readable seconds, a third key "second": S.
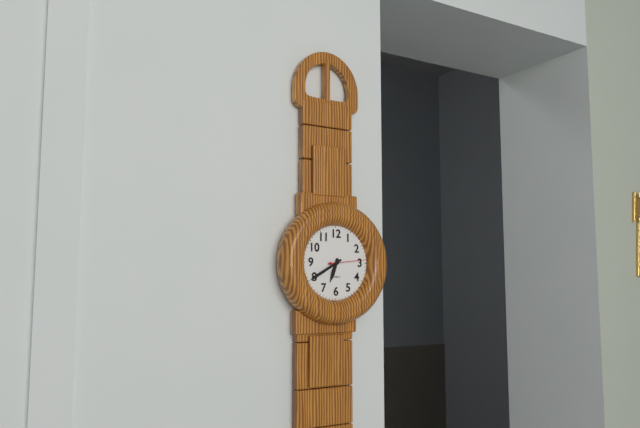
{"hour": 6, "minute": 40}
